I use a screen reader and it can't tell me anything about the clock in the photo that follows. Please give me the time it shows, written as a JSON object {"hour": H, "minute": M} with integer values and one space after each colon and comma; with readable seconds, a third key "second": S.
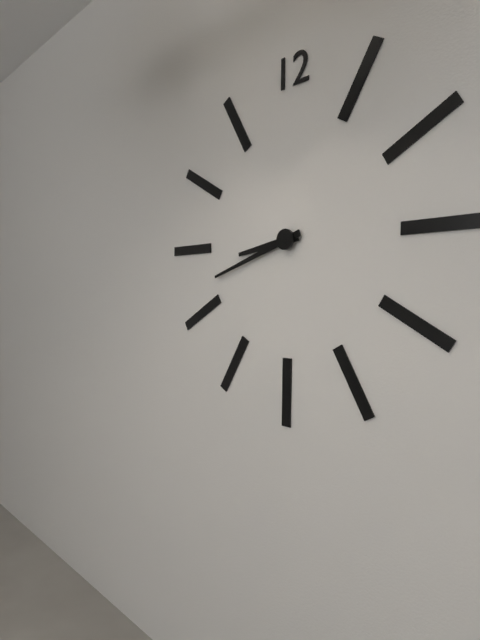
{"hour": 8, "minute": 42}
